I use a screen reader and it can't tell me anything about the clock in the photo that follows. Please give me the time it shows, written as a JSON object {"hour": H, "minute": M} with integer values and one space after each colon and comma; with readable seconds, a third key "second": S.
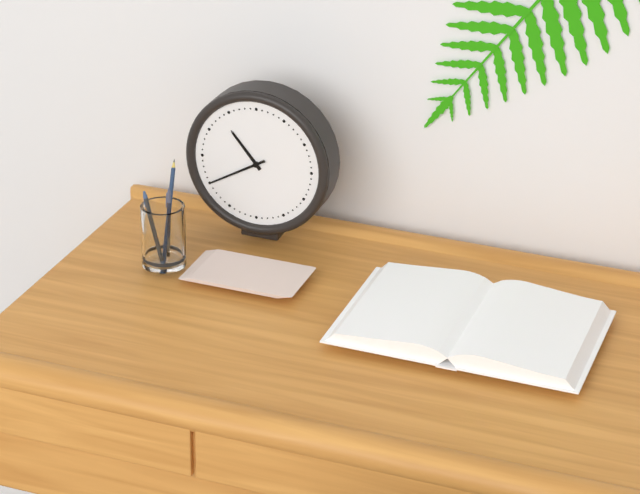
{"hour": 10, "minute": 40}
